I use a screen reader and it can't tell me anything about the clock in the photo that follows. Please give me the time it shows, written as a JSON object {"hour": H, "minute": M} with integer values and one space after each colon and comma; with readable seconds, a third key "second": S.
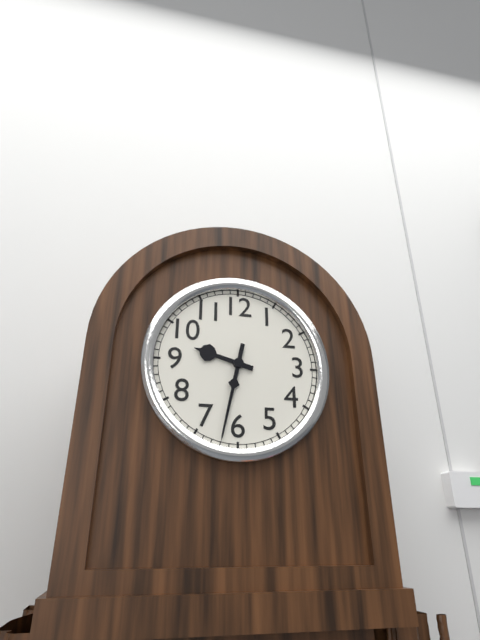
{"hour": 9, "minute": 32}
